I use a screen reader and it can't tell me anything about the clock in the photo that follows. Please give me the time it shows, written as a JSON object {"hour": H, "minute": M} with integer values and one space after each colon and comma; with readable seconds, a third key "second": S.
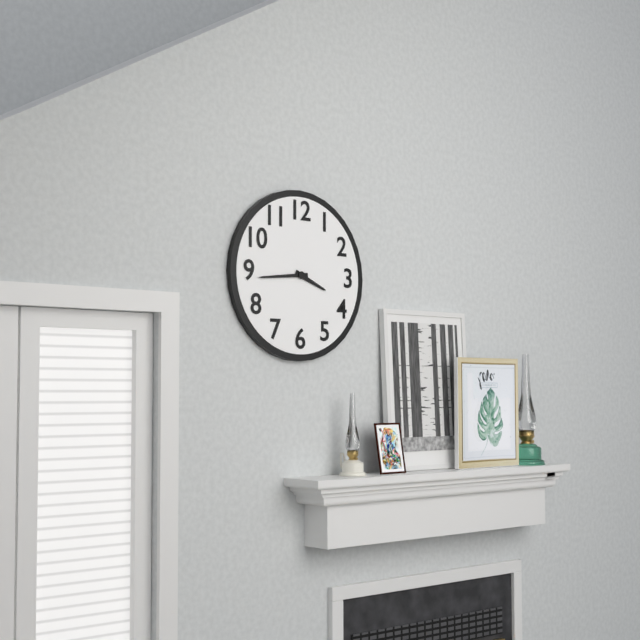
{"hour": 3, "minute": 44}
